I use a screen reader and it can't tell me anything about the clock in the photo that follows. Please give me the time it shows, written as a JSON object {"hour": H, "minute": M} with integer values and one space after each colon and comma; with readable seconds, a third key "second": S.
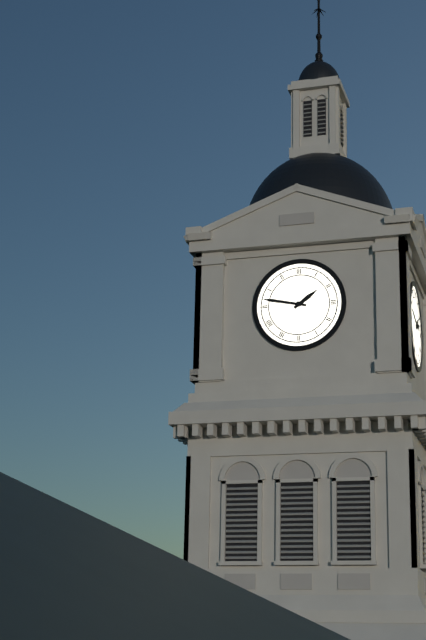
{"hour": 1, "minute": 47}
